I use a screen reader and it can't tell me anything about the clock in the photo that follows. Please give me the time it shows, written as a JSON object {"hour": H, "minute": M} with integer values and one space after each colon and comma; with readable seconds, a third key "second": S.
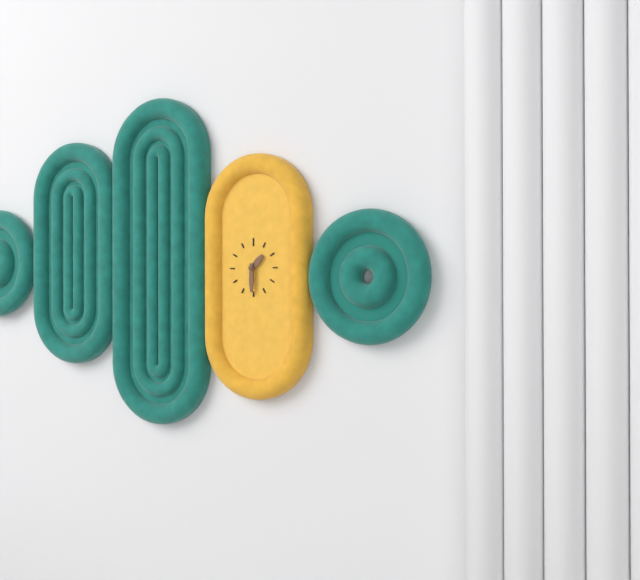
{"hour": 1, "minute": 30}
